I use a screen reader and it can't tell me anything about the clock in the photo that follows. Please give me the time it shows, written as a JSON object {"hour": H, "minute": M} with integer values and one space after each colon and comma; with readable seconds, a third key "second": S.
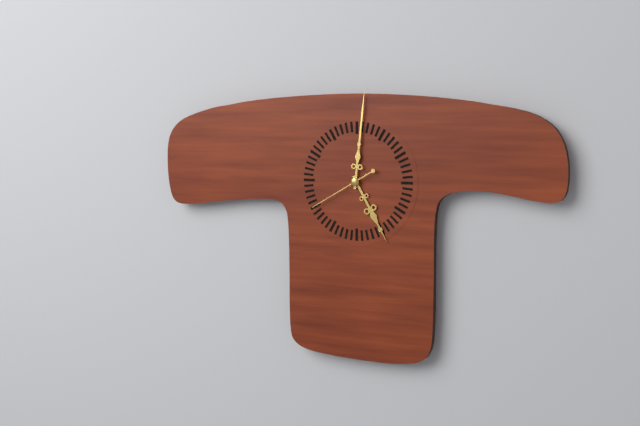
{"hour": 5, "minute": 1, "second": 40}
